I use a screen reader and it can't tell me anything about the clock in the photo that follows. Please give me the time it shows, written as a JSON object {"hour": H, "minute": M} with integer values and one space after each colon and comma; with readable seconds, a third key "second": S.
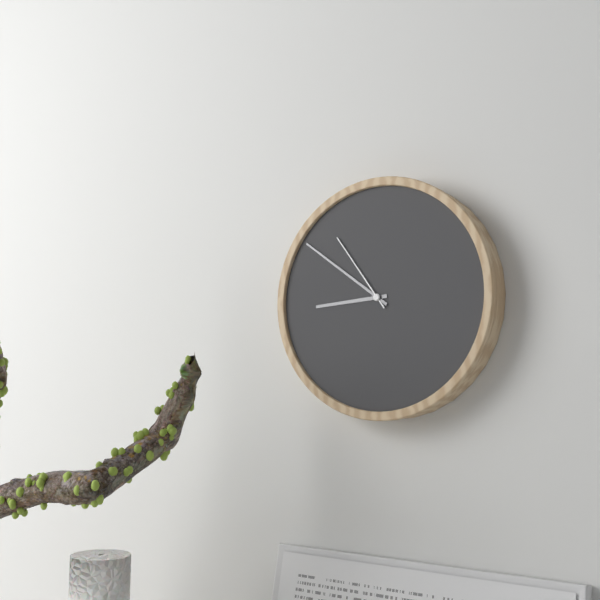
{"hour": 8, "minute": 51, "second": 54}
